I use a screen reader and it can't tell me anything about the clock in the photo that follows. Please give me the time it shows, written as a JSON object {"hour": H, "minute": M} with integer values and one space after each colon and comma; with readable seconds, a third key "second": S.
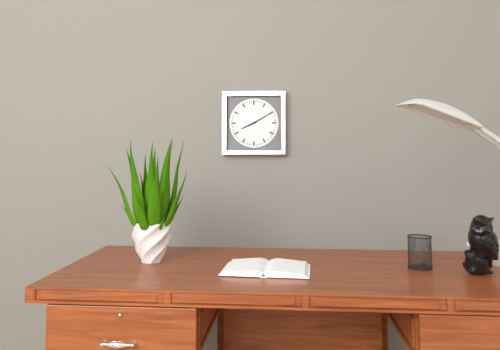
{"hour": 8, "minute": 10}
